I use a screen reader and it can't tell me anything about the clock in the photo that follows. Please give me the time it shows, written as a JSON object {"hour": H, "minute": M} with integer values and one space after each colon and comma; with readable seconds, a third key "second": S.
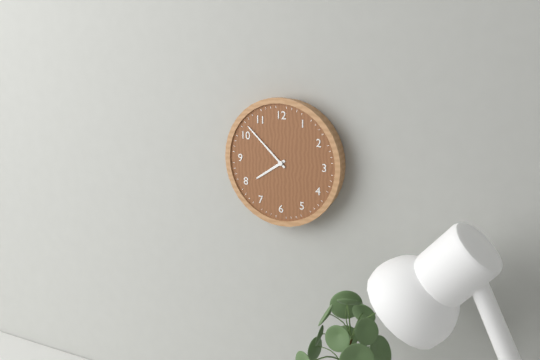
{"hour": 7, "minute": 52}
